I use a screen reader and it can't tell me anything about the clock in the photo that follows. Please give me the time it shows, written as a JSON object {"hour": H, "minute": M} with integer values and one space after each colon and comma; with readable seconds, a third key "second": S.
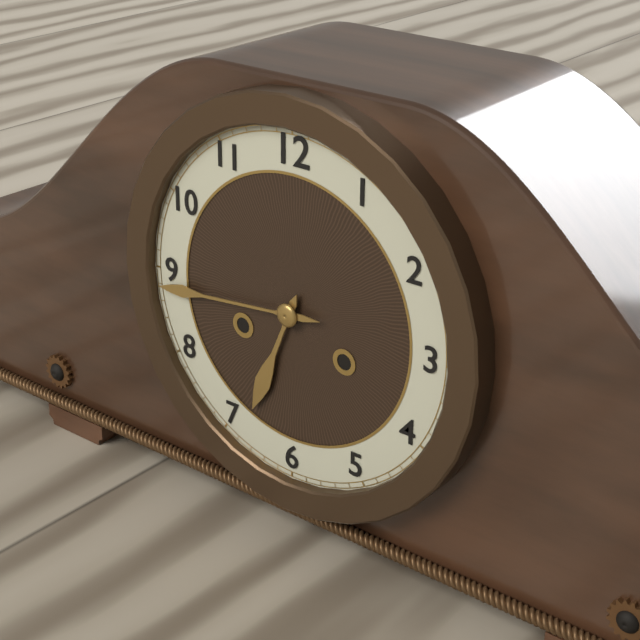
{"hour": 6, "minute": 44}
